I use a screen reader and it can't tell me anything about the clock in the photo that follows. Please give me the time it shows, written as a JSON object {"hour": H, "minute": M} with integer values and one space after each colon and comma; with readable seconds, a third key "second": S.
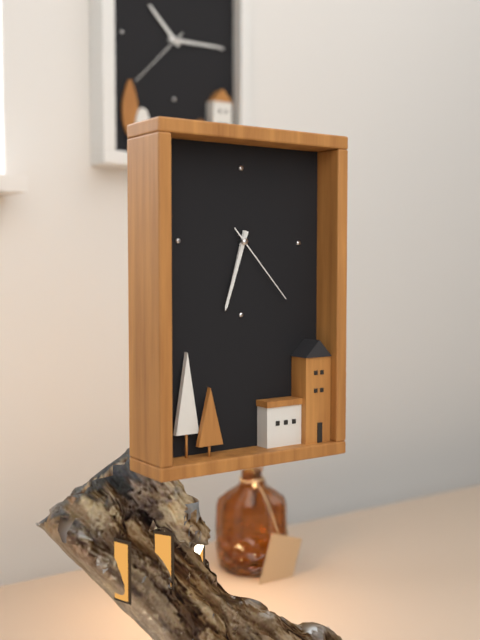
{"hour": 6, "minute": 33, "second": 23}
